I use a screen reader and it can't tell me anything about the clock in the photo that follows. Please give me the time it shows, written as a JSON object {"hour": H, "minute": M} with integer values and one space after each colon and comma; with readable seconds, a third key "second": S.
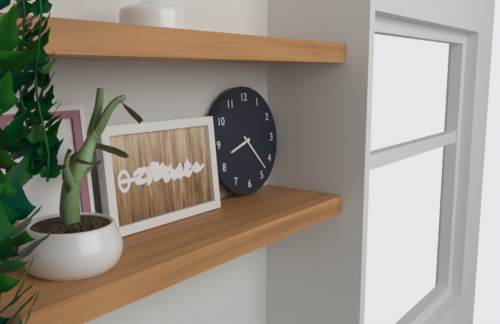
{"hour": 8, "minute": 23}
